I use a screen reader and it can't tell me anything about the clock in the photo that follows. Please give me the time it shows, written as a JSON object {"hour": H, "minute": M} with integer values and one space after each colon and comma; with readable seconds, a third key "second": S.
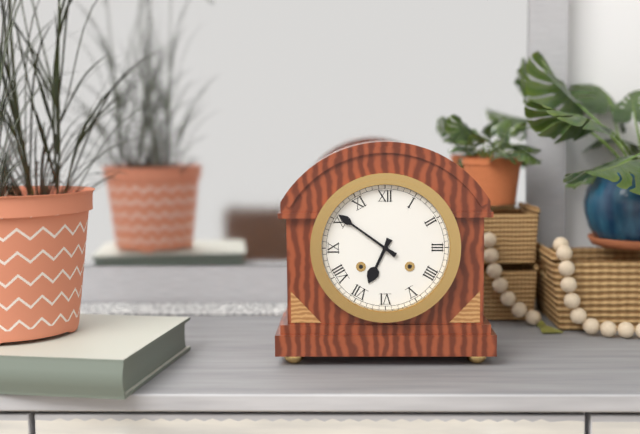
{"hour": 6, "minute": 51}
